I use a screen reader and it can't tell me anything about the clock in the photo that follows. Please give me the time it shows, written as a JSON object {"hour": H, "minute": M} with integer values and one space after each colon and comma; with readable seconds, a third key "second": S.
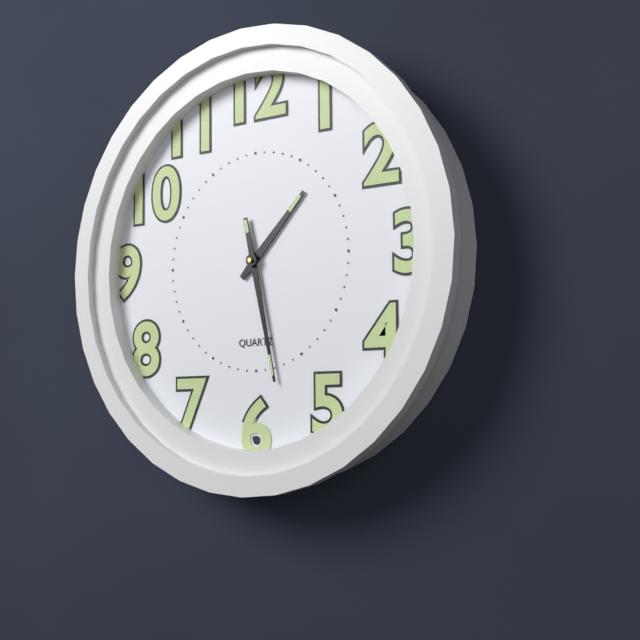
{"hour": 1, "minute": 28}
